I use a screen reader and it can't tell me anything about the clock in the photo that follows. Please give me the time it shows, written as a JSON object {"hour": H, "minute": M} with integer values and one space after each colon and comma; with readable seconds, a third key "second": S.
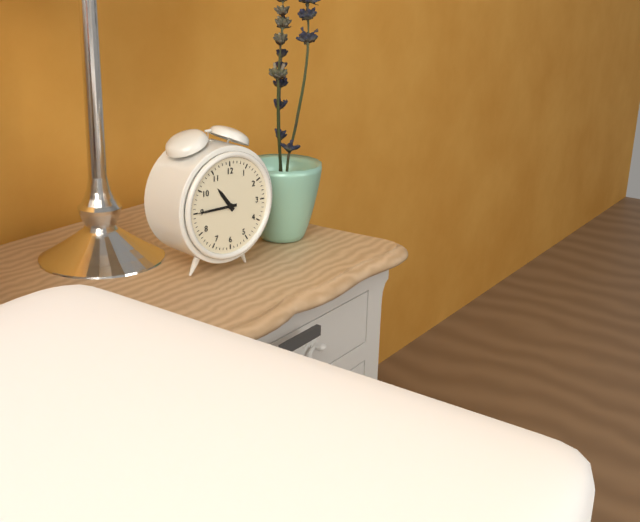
{"hour": 10, "minute": 45}
